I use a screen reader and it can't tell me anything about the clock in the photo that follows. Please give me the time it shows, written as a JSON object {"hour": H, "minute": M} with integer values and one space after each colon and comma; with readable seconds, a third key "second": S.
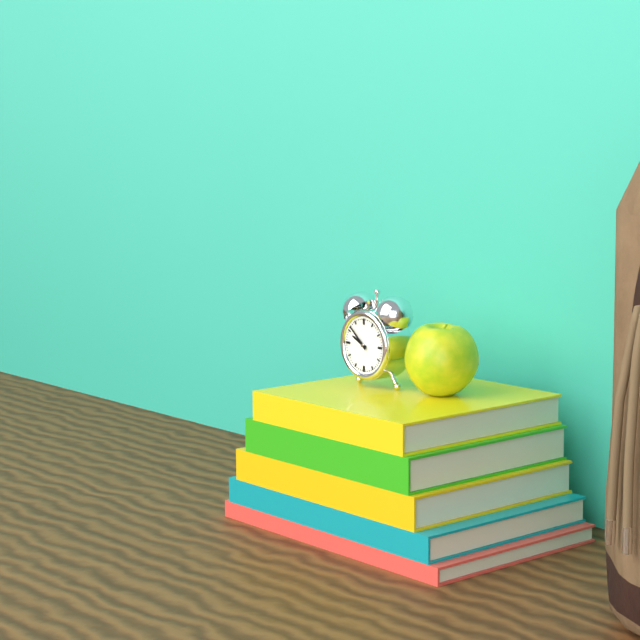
{"hour": 9, "minute": 52}
